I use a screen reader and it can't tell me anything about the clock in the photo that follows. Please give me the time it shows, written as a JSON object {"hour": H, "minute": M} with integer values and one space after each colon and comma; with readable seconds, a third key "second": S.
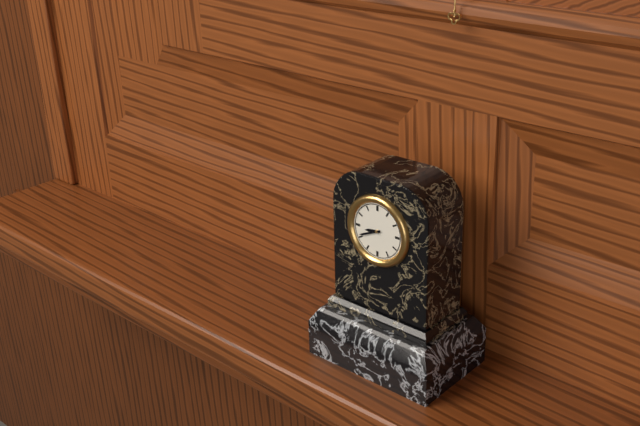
{"hour": 8, "minute": 41}
